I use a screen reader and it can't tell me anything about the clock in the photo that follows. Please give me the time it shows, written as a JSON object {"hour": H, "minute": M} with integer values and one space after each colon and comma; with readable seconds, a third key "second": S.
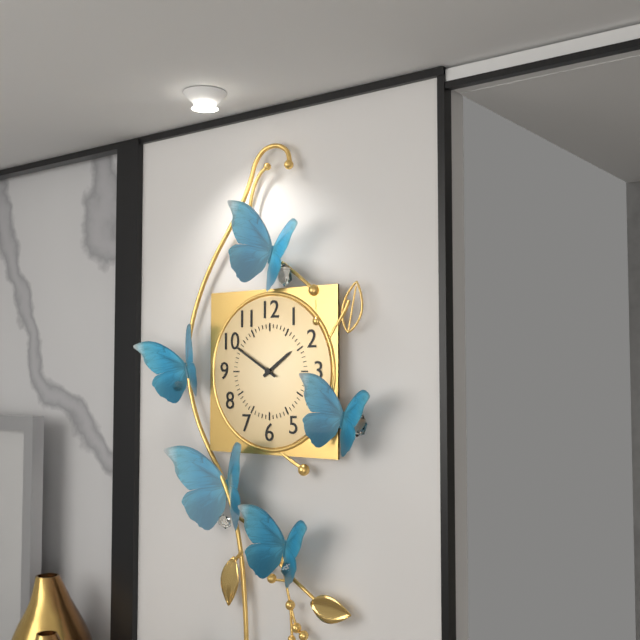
{"hour": 1, "minute": 50}
